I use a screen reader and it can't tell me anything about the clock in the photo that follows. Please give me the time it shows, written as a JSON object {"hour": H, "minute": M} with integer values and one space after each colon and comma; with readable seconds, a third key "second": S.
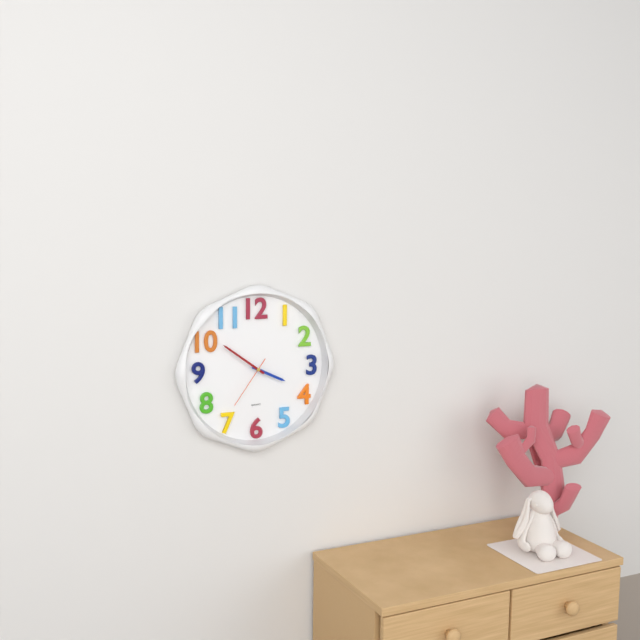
{"hour": 3, "minute": 51, "second": 36}
